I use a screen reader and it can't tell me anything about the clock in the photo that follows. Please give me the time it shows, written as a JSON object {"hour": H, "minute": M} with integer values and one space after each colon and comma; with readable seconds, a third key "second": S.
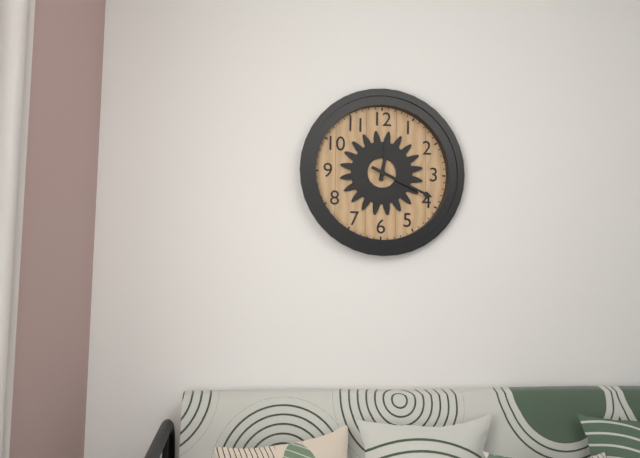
{"hour": 12, "minute": 19}
